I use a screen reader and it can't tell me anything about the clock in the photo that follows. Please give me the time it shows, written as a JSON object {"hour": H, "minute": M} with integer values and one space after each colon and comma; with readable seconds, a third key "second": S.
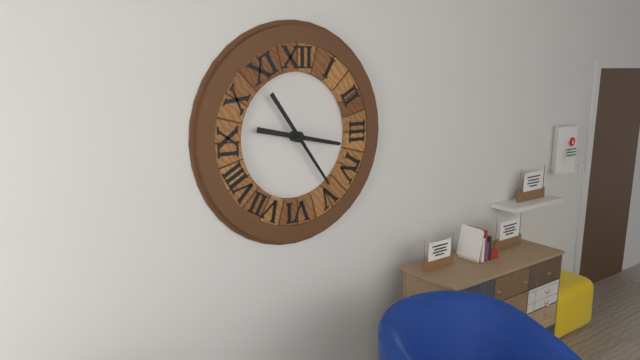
{"hour": 3, "minute": 24}
